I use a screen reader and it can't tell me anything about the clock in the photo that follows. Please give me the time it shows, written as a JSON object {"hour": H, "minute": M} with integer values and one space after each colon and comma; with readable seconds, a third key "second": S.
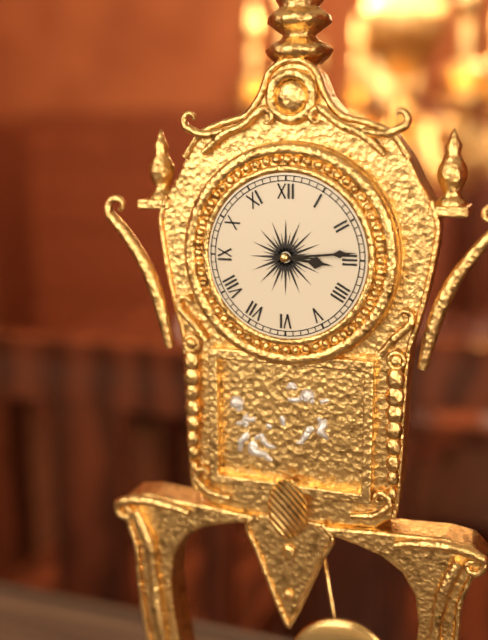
{"hour": 3, "minute": 14}
